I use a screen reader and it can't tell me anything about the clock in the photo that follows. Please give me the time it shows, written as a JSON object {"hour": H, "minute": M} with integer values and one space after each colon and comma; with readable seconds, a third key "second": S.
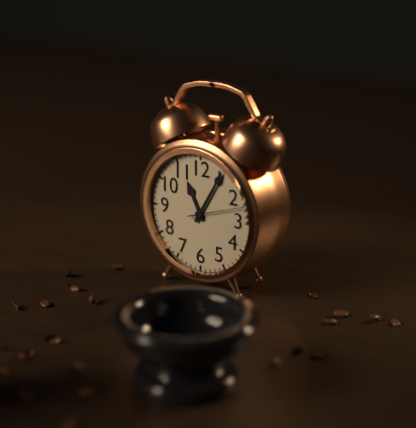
{"hour": 11, "minute": 5, "second": 12}
